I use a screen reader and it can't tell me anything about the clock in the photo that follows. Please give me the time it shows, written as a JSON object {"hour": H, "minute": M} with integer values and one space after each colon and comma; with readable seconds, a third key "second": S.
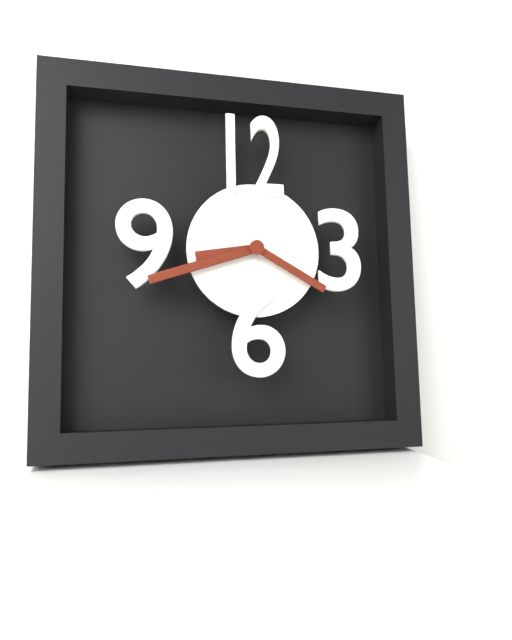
{"hour": 8, "minute": 42, "second": 20}
